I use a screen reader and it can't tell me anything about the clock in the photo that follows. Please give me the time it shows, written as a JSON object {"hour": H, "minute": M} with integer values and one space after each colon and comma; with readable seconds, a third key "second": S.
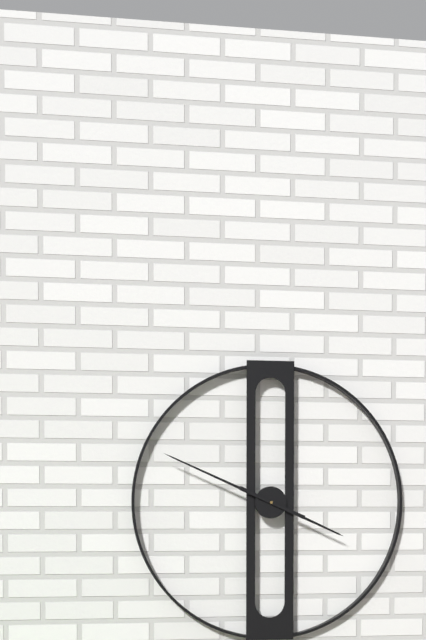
{"hour": 3, "minute": 49}
